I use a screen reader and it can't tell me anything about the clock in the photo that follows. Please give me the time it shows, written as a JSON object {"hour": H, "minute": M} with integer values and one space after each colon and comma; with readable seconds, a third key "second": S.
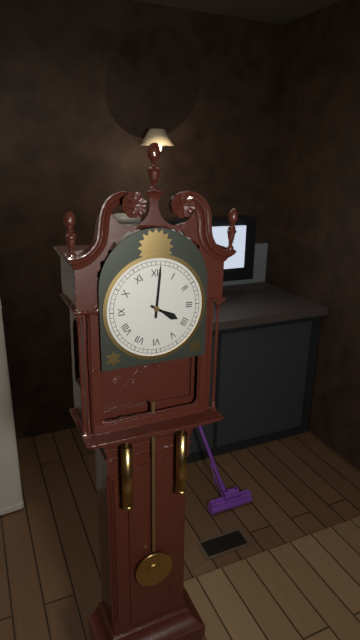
{"hour": 4, "minute": 1}
